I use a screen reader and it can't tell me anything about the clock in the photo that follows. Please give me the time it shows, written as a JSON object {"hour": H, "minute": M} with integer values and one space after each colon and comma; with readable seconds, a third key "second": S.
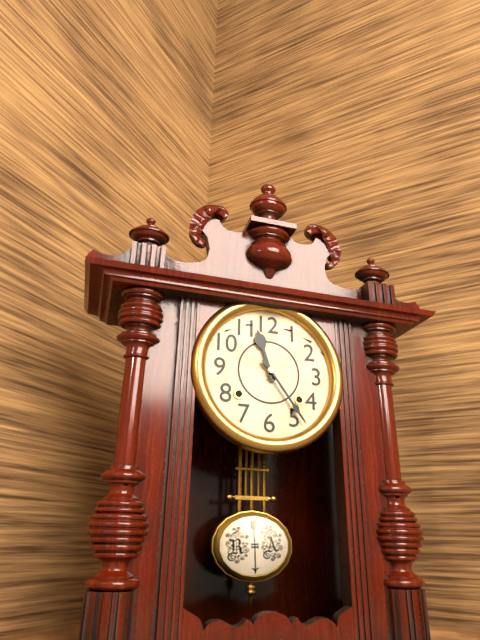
{"hour": 11, "minute": 24}
